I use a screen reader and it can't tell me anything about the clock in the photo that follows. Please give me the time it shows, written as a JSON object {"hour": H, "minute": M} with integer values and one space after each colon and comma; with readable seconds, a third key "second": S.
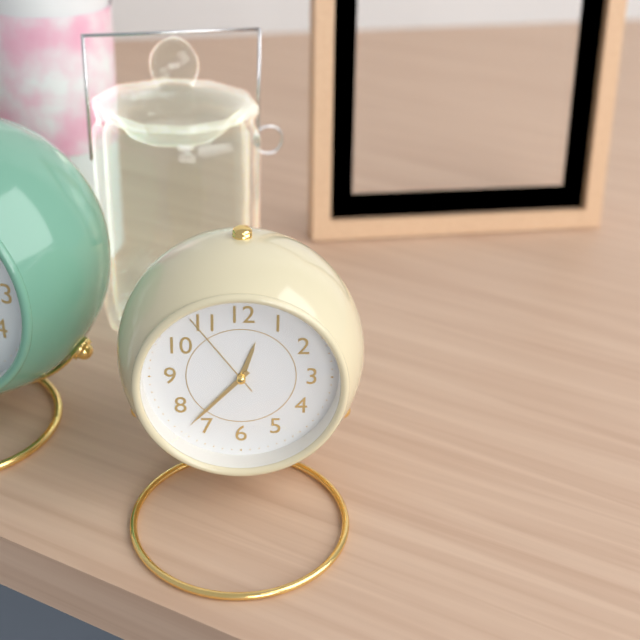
{"hour": 12, "minute": 37, "second": 54}
